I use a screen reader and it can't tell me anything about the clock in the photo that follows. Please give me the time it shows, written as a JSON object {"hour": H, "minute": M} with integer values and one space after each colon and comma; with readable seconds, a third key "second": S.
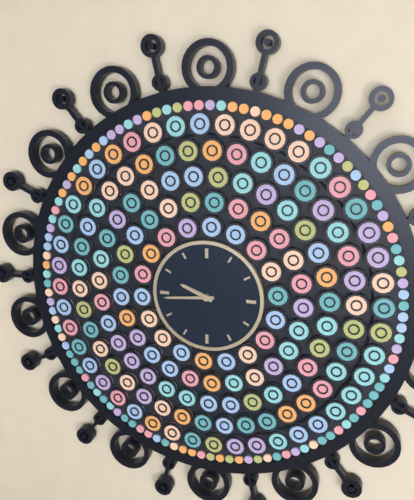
{"hour": 9, "minute": 44}
